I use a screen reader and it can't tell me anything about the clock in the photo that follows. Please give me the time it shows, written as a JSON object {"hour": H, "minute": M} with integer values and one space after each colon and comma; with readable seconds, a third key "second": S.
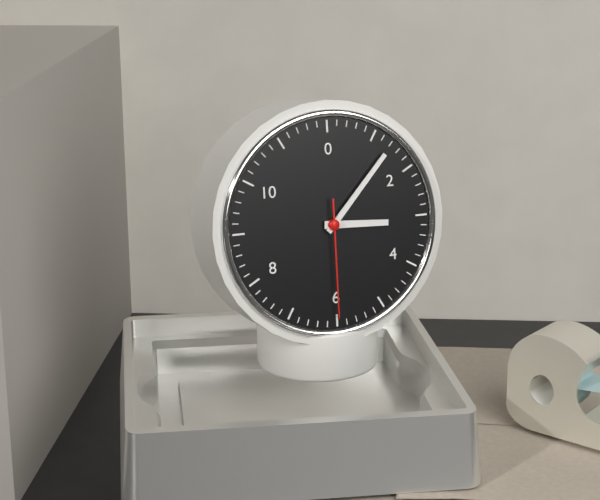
{"hour": 3, "minute": 7, "second": 30}
